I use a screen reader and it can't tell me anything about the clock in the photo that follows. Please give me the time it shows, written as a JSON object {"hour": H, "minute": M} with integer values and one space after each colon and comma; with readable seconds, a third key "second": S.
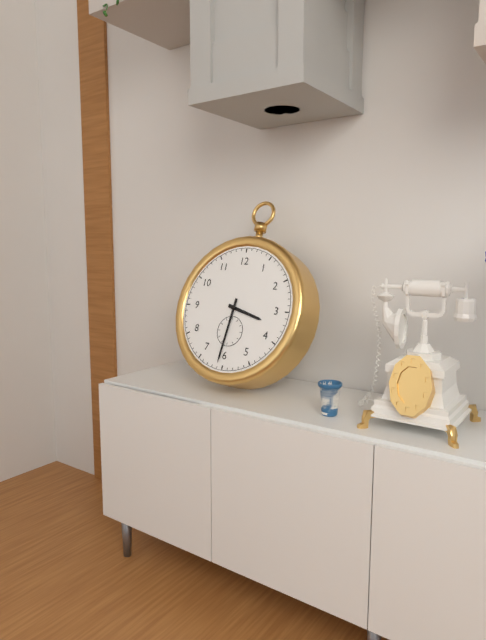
{"hour": 3, "minute": 31}
